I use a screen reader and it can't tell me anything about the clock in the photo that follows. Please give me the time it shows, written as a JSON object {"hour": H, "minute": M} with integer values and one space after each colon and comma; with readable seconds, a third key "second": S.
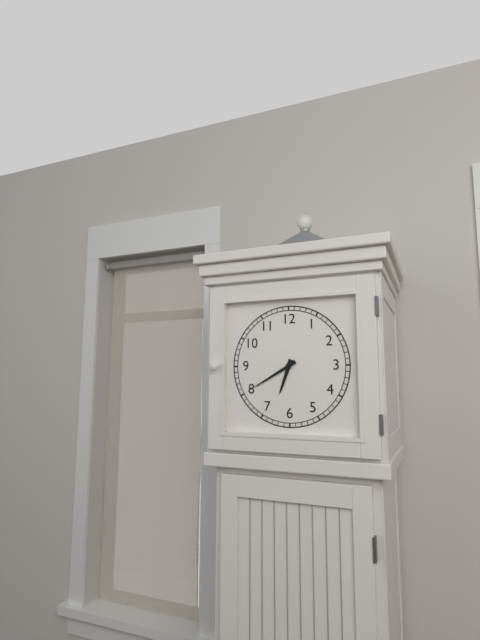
{"hour": 6, "minute": 40}
